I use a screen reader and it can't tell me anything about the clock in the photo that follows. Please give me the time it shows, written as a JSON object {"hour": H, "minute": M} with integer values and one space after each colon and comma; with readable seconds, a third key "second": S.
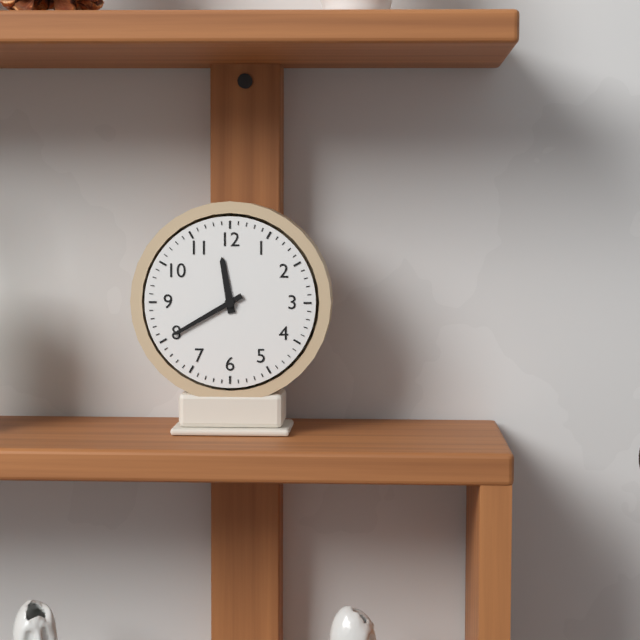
{"hour": 11, "minute": 40}
